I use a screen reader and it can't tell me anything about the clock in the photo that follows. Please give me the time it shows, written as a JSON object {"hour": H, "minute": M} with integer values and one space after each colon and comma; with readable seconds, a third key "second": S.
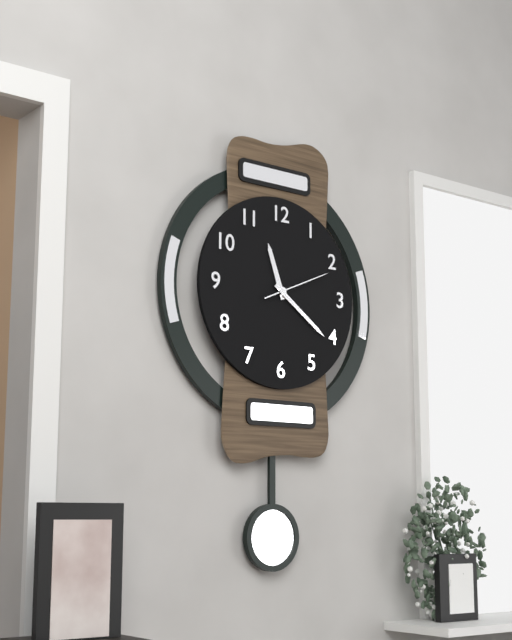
{"hour": 11, "minute": 21, "second": 11}
